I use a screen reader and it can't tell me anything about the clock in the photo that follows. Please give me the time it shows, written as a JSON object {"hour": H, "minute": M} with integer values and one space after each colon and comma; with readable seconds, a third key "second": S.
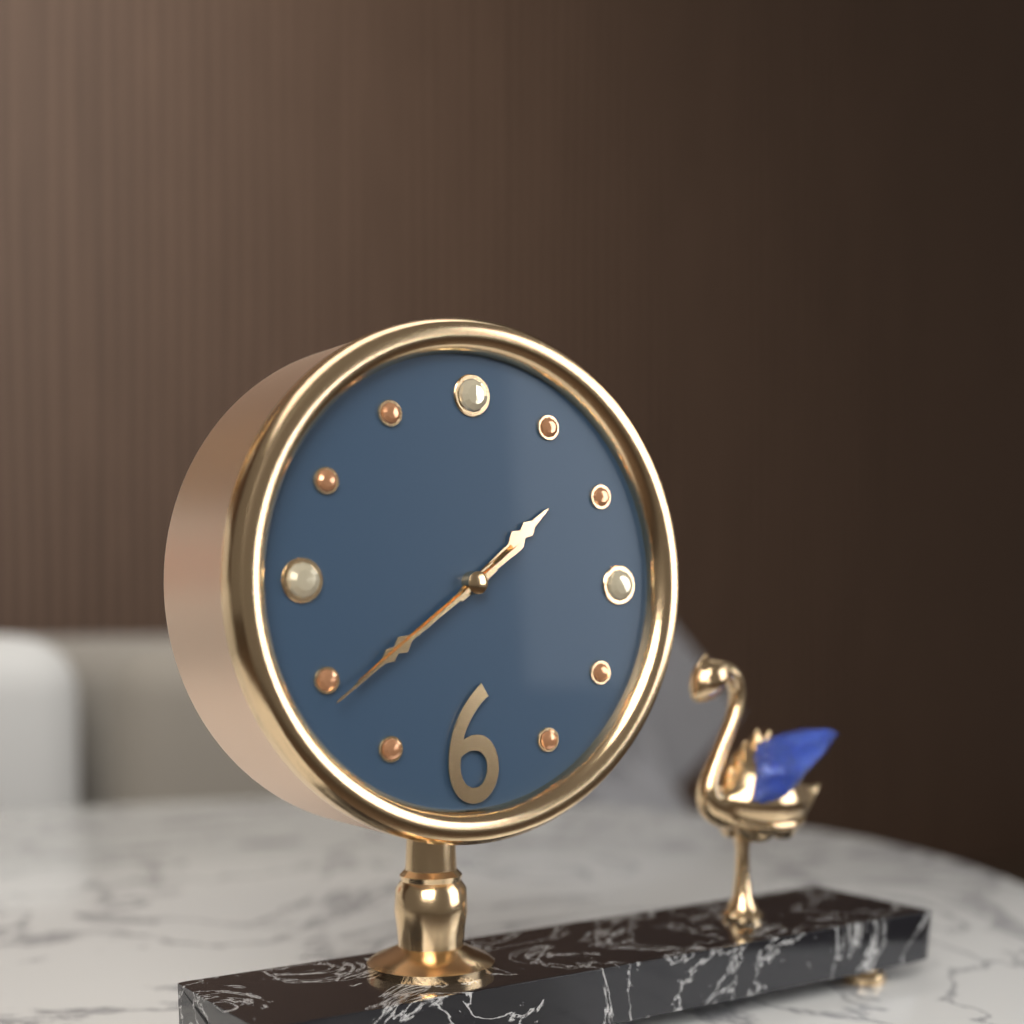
{"hour": 1, "minute": 39, "second": 39}
